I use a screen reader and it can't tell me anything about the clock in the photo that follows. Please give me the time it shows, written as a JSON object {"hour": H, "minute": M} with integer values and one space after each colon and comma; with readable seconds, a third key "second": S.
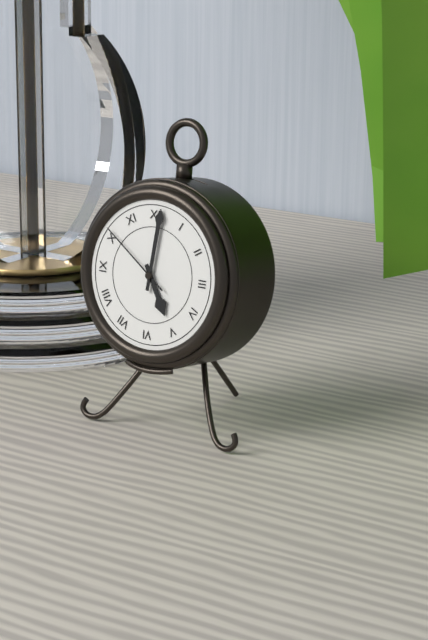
{"hour": 5, "minute": 1, "second": 51}
